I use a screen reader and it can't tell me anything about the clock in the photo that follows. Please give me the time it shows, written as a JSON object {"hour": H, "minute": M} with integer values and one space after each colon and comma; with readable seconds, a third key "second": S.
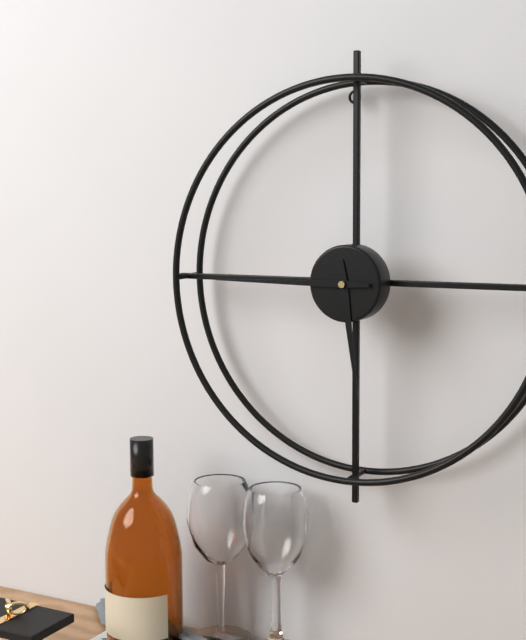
{"hour": 5, "minute": 45}
